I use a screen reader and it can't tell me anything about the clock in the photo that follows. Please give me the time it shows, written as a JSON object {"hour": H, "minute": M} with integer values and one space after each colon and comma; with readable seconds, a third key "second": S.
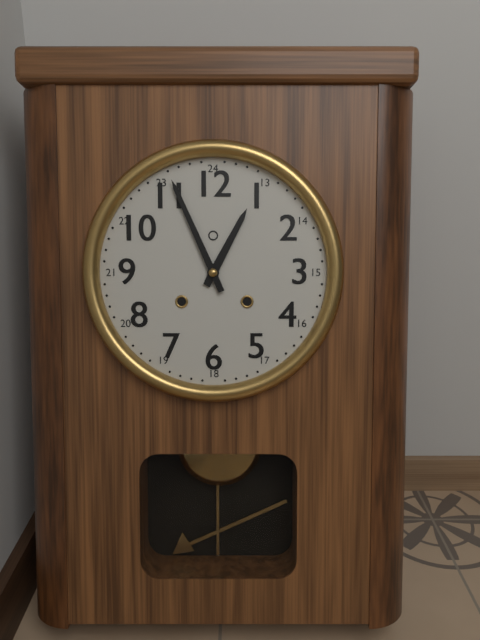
{"hour": 12, "minute": 56}
